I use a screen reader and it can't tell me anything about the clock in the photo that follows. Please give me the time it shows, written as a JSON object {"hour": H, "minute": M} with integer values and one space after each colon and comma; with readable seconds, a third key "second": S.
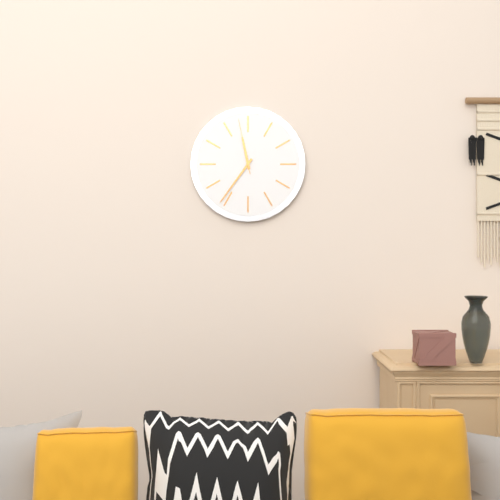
{"hour": 11, "minute": 36, "second": 58}
